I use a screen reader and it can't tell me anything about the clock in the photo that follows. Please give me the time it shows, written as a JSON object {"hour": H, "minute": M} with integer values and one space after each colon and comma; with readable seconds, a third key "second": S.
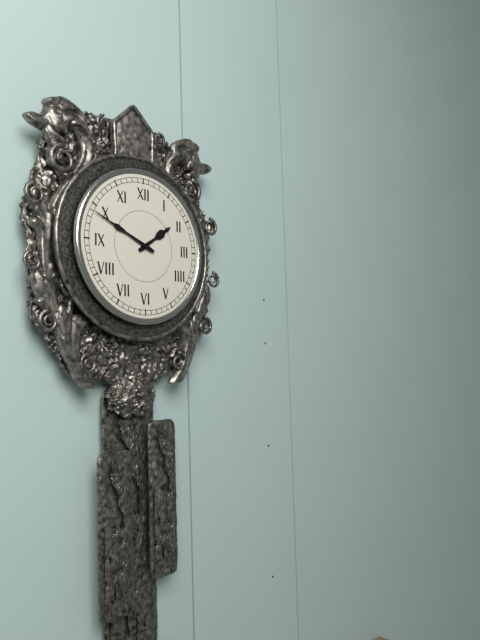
{"hour": 1, "minute": 49}
